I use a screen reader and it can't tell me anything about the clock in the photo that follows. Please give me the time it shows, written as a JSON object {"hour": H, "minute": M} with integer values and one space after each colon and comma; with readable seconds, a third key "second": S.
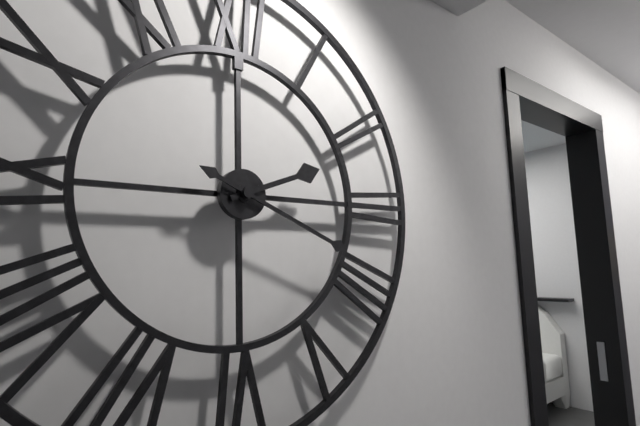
{"hour": 2, "minute": 19}
